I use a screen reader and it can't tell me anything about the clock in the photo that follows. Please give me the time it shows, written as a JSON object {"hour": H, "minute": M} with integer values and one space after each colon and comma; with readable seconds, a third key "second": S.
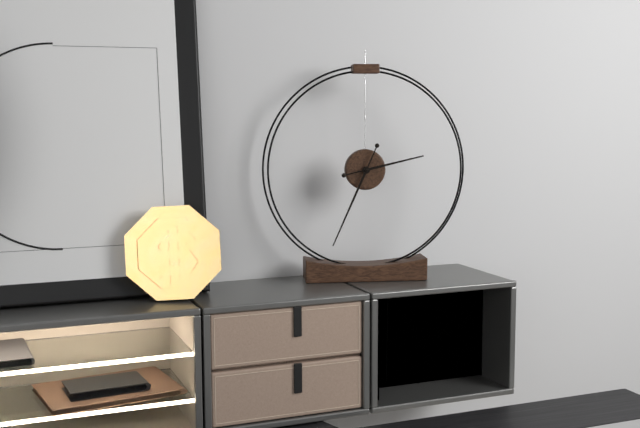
{"hour": 2, "minute": 34}
